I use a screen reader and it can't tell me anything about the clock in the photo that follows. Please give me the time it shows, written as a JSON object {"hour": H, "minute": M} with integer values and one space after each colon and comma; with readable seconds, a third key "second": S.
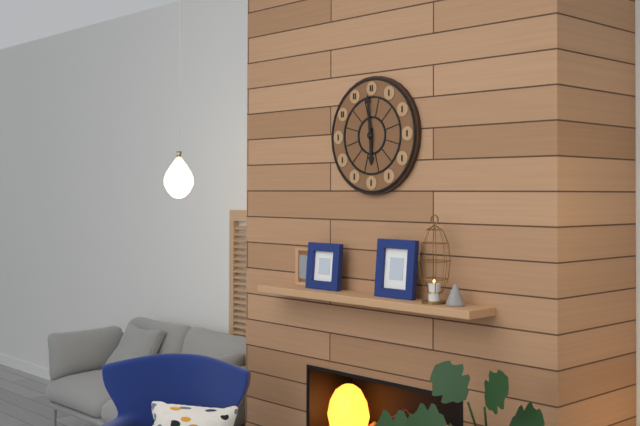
{"hour": 5, "minute": 59}
